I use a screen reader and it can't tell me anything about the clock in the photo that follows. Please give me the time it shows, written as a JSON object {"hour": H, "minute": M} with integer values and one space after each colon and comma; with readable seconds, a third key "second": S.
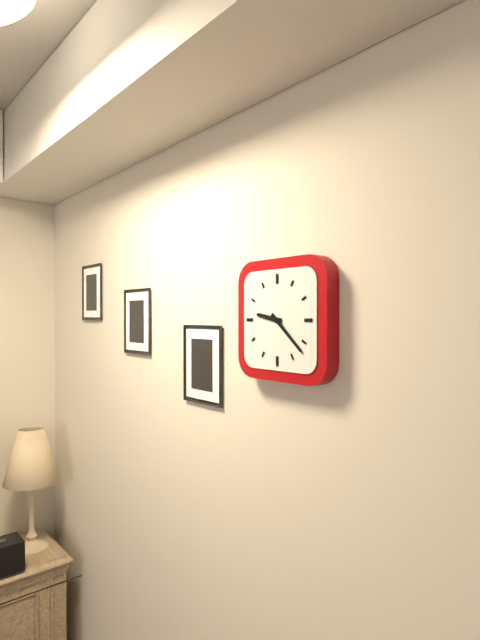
{"hour": 9, "minute": 22}
